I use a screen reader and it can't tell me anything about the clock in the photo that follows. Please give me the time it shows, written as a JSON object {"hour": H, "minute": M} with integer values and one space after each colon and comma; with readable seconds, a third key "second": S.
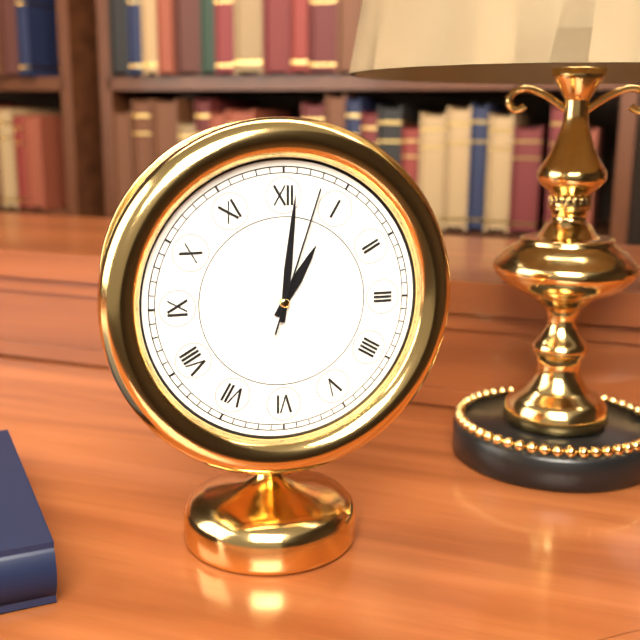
{"hour": 1, "minute": 1, "second": 3}
